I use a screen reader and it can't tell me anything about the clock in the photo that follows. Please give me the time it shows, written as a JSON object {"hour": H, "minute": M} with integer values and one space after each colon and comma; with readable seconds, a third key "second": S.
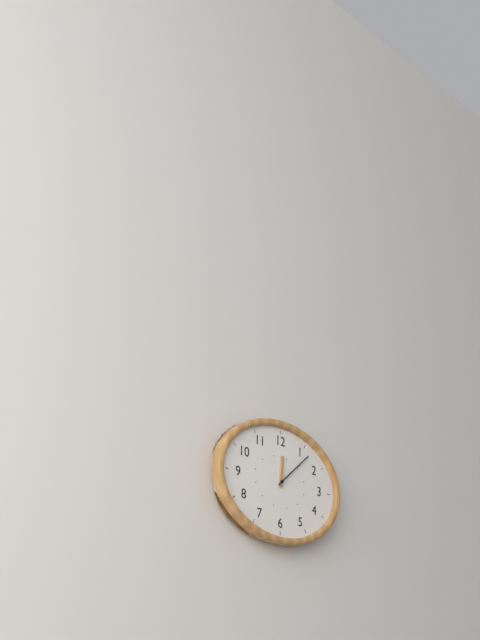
{"hour": 12, "minute": 8}
